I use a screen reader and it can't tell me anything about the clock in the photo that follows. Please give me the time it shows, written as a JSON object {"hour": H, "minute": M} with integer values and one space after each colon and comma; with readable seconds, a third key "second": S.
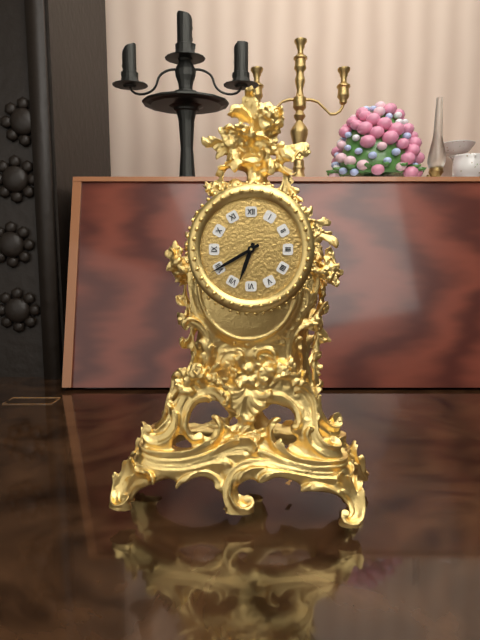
{"hour": 6, "minute": 40}
